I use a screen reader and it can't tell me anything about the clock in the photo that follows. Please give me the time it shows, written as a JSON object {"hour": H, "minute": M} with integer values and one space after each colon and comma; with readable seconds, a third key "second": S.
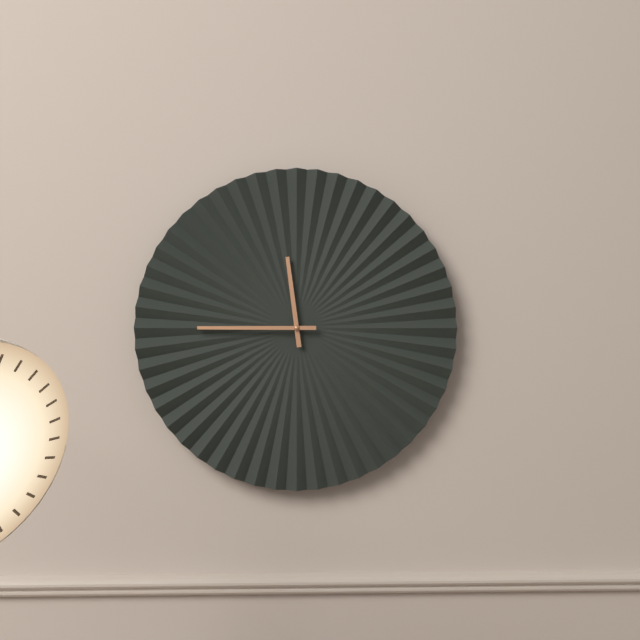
{"hour": 11, "minute": 45}
